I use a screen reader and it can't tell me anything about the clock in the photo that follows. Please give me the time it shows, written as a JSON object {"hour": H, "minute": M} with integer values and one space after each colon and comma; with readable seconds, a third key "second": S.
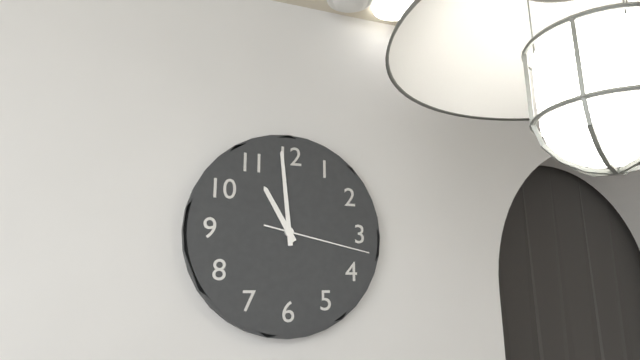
{"hour": 10, "minute": 59, "second": 17}
